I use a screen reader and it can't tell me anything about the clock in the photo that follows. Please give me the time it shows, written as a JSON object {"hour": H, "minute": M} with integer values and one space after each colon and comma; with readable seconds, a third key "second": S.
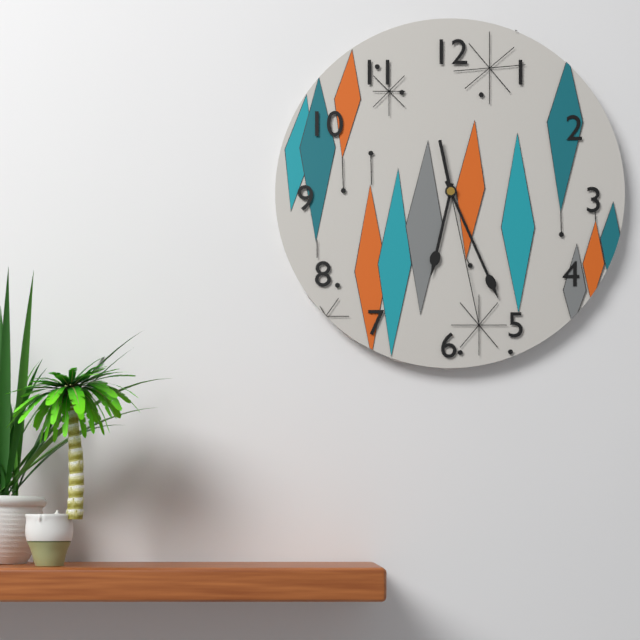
{"hour": 6, "minute": 26, "second": 28}
